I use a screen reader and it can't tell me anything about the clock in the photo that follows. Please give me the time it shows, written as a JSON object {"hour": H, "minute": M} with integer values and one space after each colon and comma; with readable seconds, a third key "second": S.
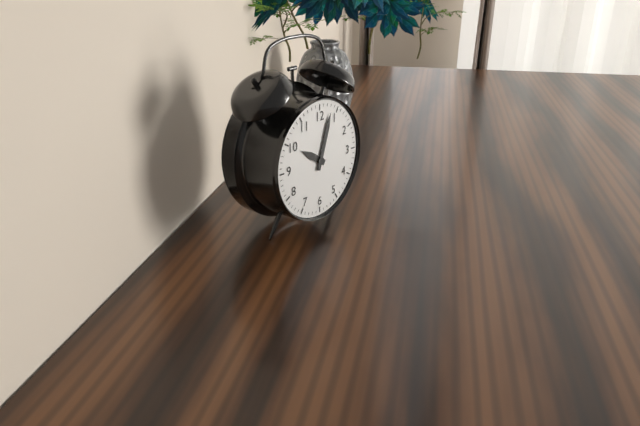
{"hour": 10, "minute": 3}
